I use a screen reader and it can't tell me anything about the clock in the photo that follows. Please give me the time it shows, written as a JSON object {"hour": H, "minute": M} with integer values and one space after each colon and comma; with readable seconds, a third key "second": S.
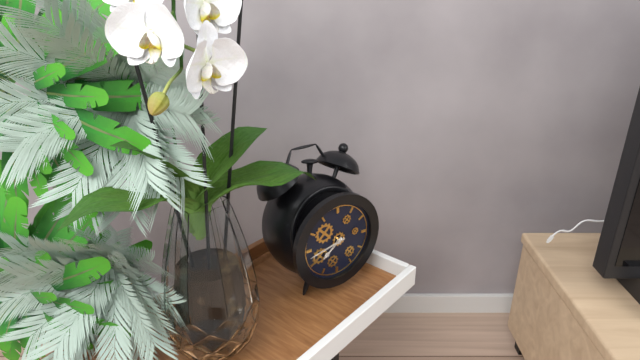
{"hour": 7, "minute": 43}
